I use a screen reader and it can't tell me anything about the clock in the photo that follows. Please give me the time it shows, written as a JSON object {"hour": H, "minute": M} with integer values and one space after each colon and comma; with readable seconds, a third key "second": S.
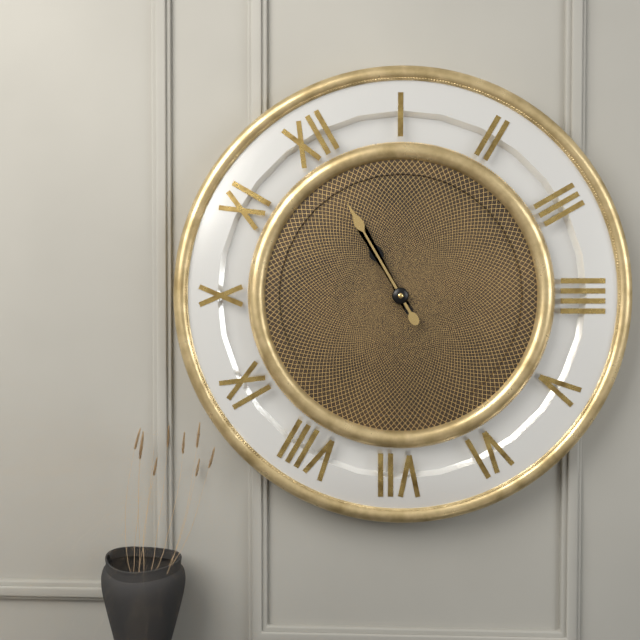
{"hour": 12, "minute": 0}
